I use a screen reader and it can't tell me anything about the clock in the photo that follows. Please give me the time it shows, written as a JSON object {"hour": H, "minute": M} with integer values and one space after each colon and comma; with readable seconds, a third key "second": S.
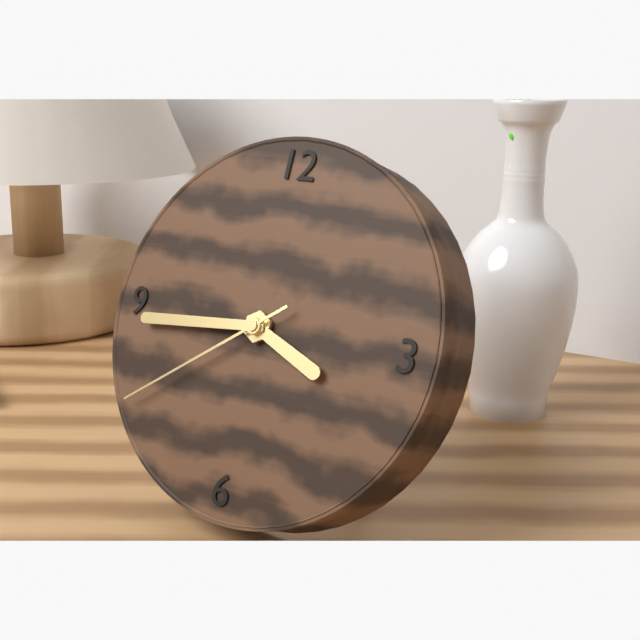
{"hour": 3, "minute": 44, "second": 39}
